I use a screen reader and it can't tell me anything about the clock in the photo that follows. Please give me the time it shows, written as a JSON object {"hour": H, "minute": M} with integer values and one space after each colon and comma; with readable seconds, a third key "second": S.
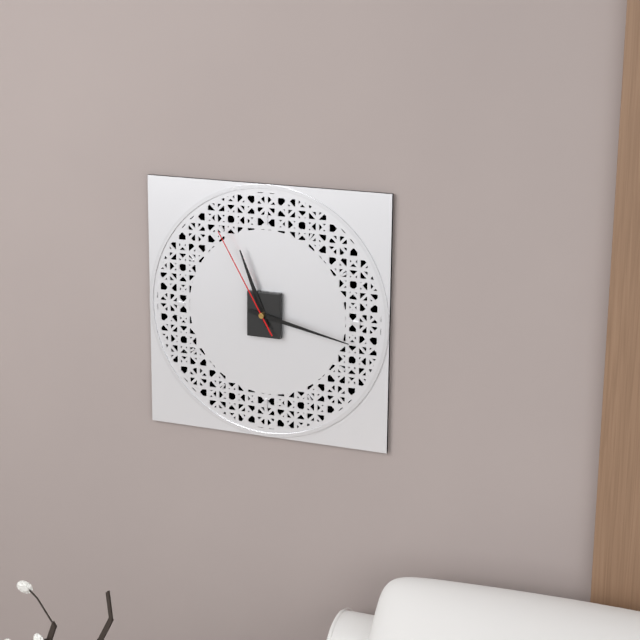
{"hour": 11, "minute": 17, "second": 55}
